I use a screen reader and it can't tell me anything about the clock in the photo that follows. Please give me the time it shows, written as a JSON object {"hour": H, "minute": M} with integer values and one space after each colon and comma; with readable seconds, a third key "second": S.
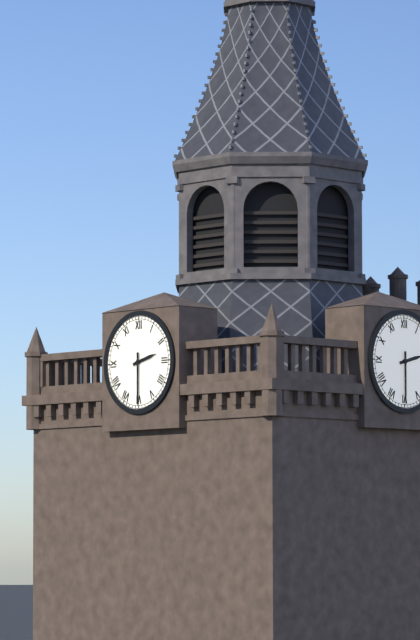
{"hour": 2, "minute": 30}
